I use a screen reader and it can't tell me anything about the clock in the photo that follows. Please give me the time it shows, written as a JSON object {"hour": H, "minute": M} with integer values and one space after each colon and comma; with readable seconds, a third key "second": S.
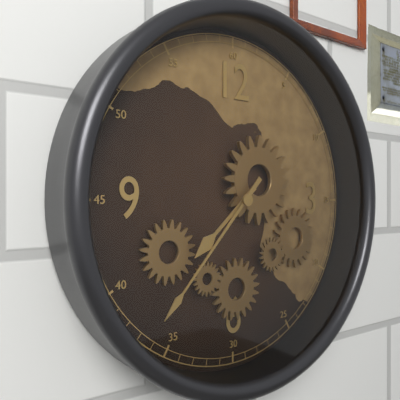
{"hour": 7, "minute": 37}
